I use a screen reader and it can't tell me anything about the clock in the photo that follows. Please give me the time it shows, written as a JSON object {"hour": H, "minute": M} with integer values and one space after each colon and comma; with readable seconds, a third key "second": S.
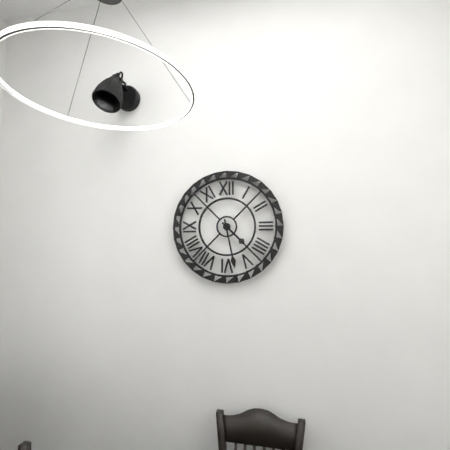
{"hour": 4, "minute": 28}
